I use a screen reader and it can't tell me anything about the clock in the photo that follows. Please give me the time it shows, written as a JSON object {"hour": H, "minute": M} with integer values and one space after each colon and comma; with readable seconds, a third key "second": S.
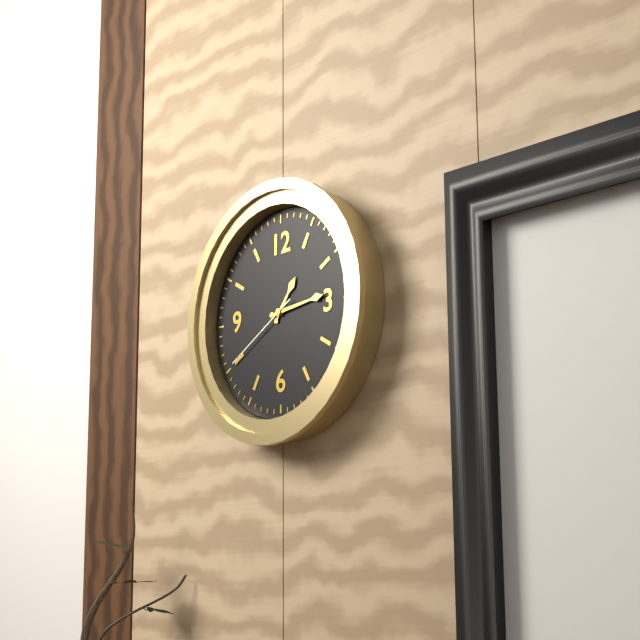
{"hour": 1, "minute": 14, "second": 40}
